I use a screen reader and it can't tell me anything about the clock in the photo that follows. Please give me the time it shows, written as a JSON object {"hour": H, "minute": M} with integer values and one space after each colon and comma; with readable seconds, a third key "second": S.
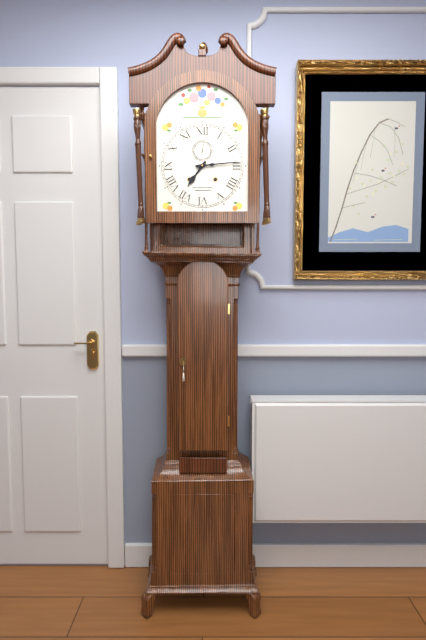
{"hour": 7, "minute": 14}
